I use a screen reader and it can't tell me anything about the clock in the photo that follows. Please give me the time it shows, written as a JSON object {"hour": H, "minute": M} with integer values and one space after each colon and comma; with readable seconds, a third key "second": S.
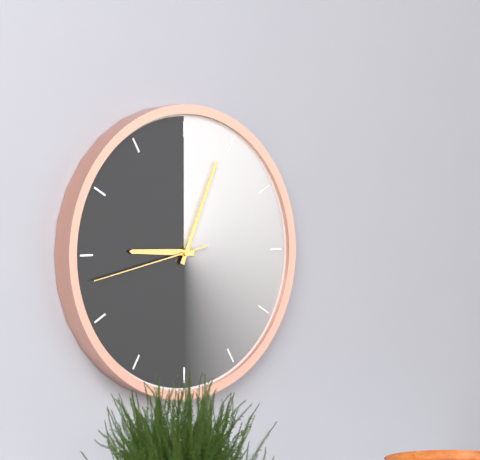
{"hour": 9, "minute": 4, "second": 43}
